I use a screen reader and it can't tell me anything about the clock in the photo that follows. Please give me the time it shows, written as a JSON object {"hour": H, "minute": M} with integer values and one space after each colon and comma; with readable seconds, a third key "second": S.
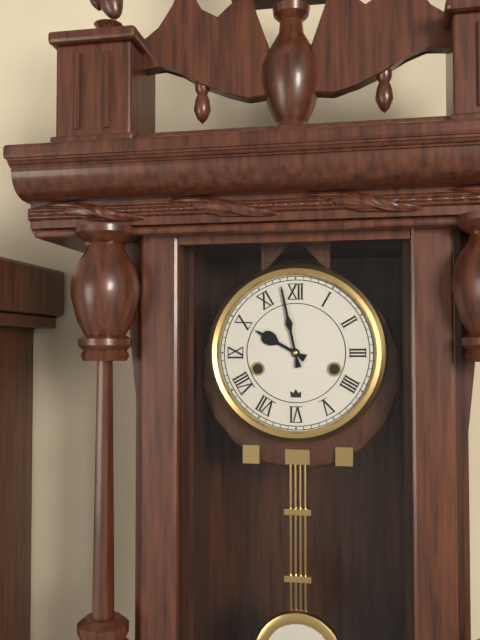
{"hour": 9, "minute": 58}
